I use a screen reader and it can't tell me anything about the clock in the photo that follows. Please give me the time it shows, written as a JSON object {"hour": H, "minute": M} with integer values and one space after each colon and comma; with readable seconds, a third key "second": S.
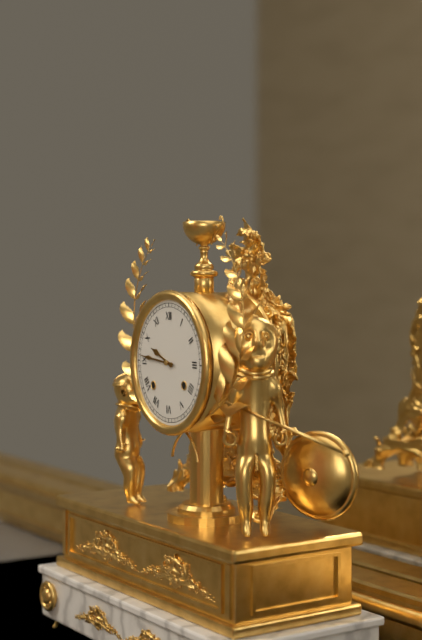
{"hour": 9, "minute": 46}
